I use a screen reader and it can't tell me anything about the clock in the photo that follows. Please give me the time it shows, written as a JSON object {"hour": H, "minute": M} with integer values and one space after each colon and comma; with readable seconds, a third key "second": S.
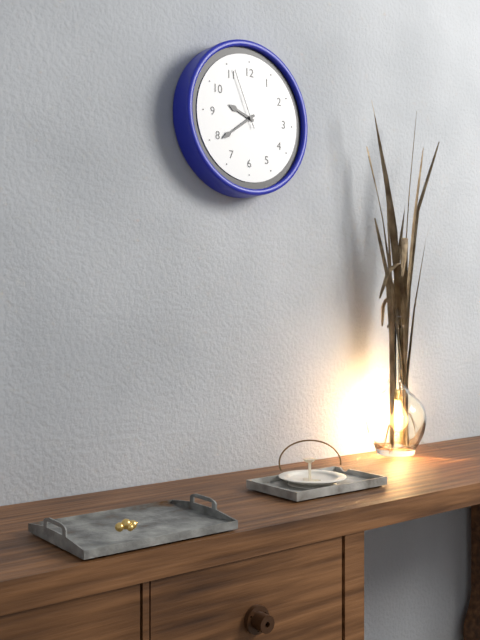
{"hour": 9, "minute": 39, "second": 56}
